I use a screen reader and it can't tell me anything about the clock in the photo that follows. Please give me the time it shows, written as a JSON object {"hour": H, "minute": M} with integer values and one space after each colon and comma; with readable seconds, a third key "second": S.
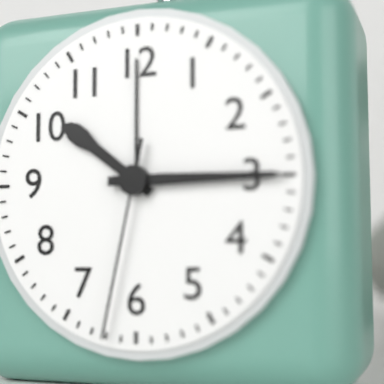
{"hour": 10, "minute": 15, "second": 32}
